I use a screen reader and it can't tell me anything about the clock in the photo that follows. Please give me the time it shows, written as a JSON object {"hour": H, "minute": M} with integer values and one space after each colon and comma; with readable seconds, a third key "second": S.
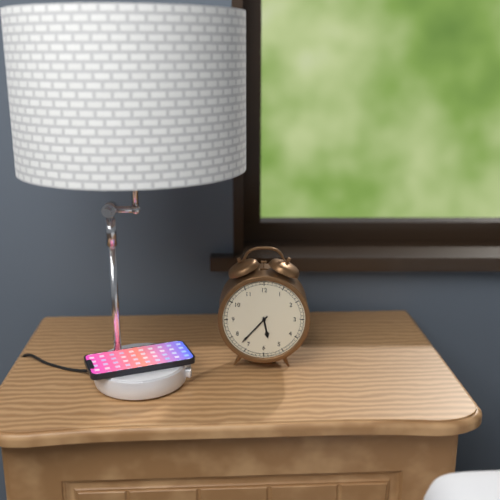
{"hour": 5, "minute": 37}
